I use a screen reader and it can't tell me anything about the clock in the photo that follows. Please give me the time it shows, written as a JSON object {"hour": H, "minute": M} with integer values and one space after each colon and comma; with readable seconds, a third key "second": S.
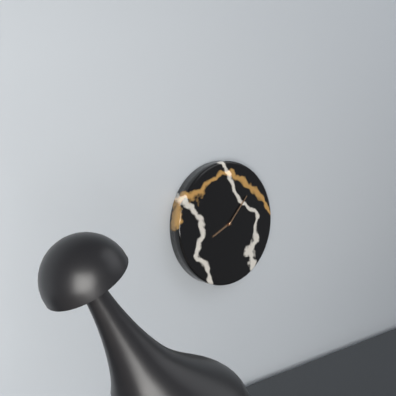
{"hour": 8, "minute": 7}
